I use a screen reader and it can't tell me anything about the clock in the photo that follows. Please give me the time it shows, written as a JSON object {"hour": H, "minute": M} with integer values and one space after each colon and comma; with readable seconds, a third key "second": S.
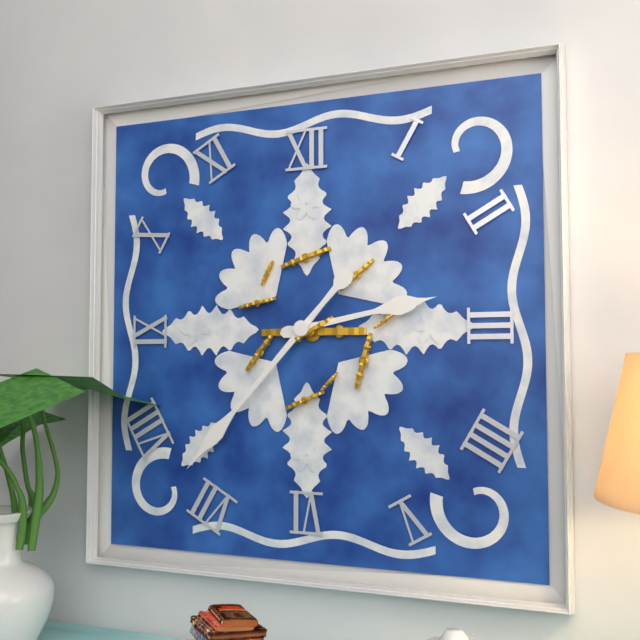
{"hour": 2, "minute": 37}
